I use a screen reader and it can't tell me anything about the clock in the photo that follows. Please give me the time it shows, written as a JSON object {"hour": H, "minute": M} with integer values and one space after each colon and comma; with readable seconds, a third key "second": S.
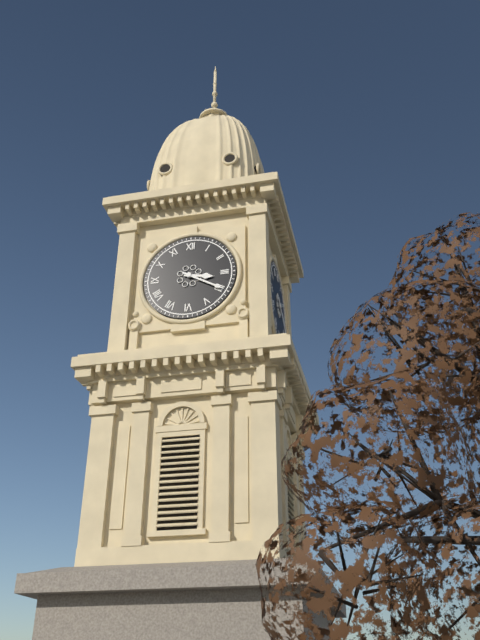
{"hour": 3, "minute": 20}
